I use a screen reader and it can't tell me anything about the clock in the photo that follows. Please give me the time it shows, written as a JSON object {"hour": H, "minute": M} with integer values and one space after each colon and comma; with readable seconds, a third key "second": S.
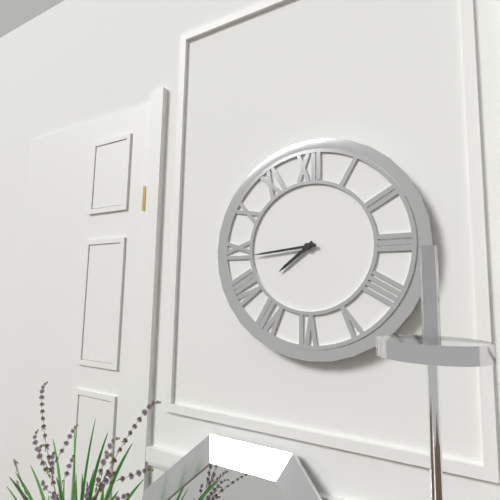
{"hour": 7, "minute": 44}
